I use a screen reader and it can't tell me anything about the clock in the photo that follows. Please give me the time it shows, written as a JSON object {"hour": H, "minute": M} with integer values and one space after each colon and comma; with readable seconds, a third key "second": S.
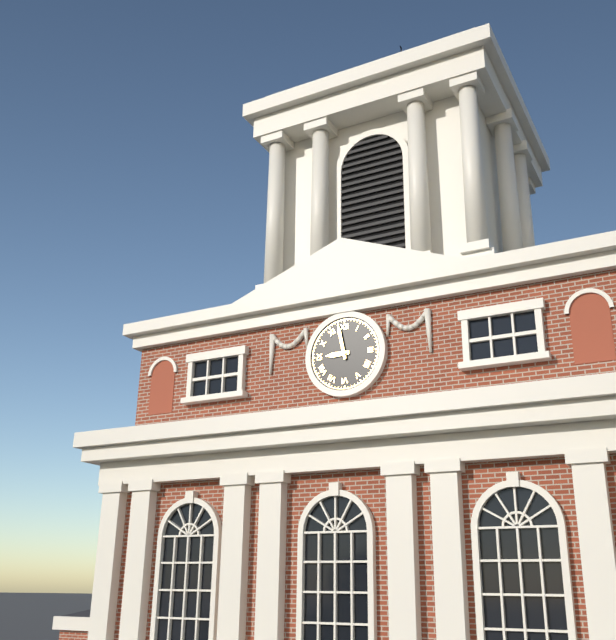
{"hour": 8, "minute": 58}
